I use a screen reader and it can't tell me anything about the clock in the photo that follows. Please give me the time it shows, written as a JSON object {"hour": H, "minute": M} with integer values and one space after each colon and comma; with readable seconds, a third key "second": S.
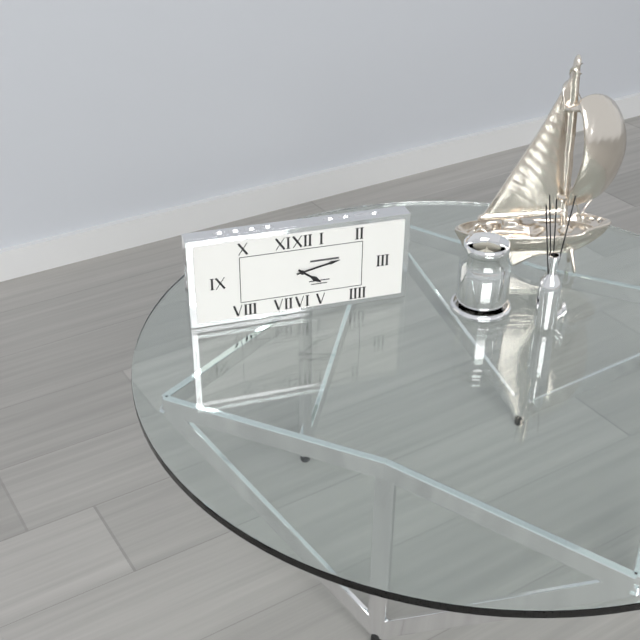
{"hour": 4, "minute": 13}
